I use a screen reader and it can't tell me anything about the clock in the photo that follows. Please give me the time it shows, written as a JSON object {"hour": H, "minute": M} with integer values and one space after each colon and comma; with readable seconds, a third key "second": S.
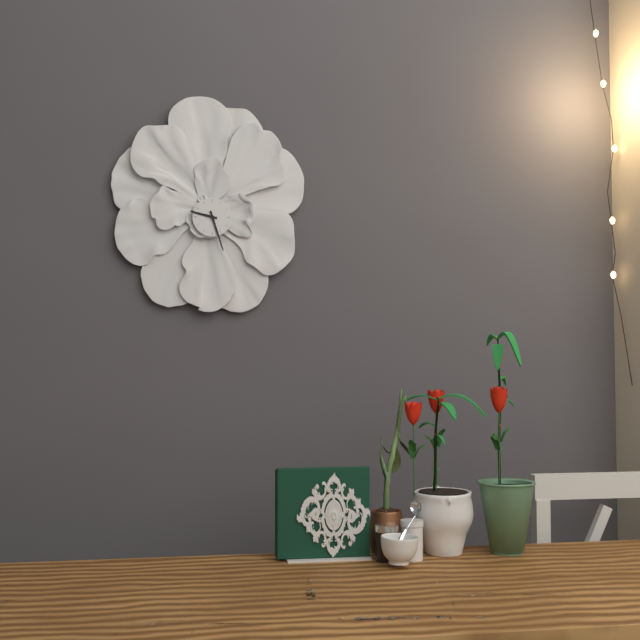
{"hour": 9, "minute": 27}
